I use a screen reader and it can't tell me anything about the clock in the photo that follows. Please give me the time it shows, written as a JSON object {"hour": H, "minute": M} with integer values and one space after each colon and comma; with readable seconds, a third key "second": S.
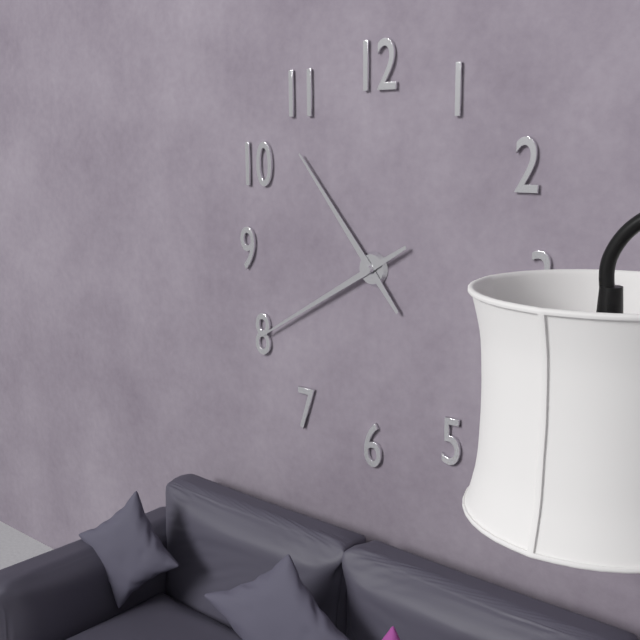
{"hour": 10, "minute": 40}
